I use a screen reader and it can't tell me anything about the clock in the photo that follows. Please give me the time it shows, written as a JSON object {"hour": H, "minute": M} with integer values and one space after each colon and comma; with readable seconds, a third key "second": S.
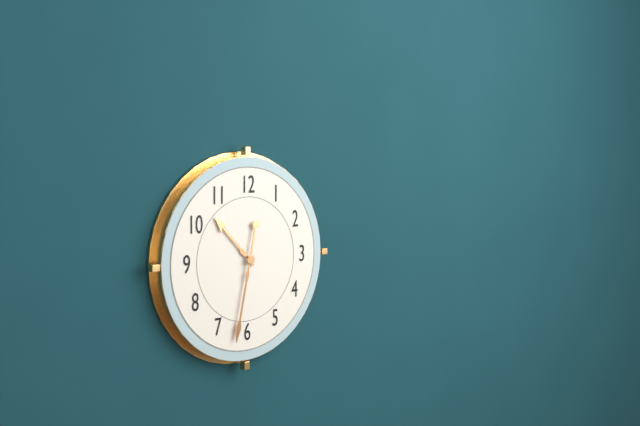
{"hour": 10, "minute": 32}
